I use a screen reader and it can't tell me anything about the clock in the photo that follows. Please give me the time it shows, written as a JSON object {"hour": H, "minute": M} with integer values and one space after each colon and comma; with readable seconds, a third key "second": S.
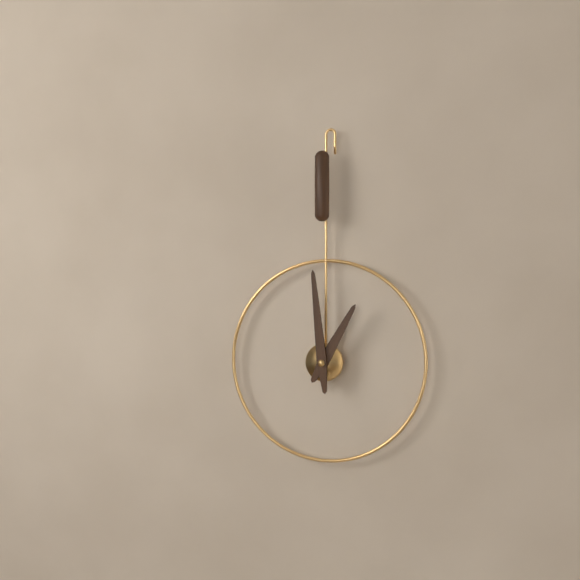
{"hour": 12, "minute": 59}
